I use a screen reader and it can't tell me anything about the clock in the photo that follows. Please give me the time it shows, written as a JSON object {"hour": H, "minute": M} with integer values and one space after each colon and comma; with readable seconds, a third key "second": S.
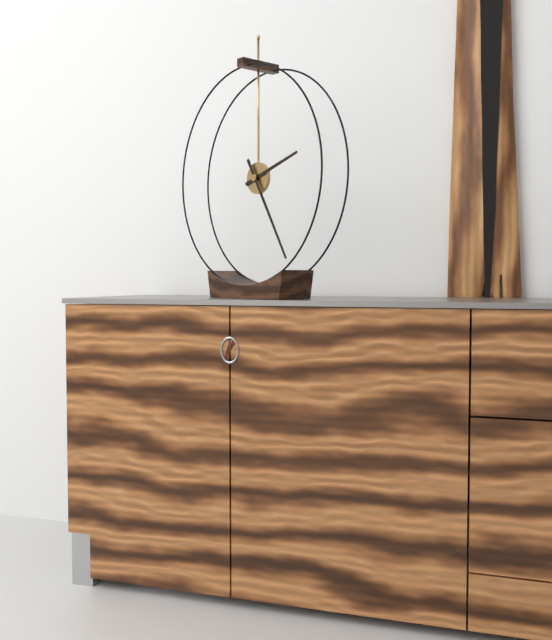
{"hour": 2, "minute": 25}
